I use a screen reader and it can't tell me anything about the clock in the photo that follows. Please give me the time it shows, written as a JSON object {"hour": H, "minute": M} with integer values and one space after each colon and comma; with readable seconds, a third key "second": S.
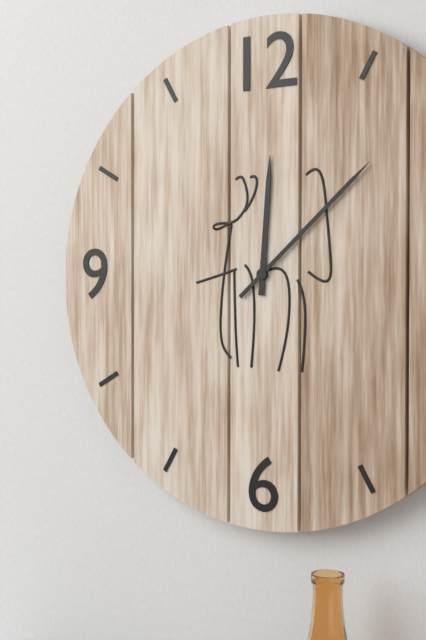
{"hour": 12, "minute": 8}
